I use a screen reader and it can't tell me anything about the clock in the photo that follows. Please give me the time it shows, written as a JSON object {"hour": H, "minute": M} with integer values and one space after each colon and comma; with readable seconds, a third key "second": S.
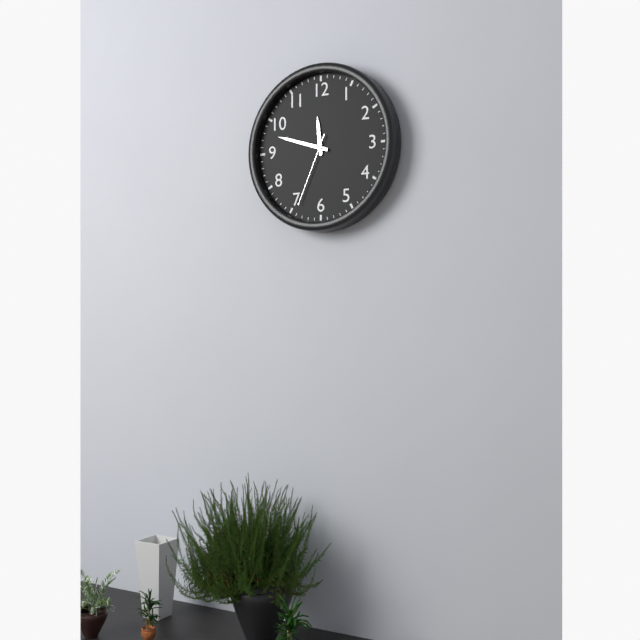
{"hour": 11, "minute": 48, "second": 34}
